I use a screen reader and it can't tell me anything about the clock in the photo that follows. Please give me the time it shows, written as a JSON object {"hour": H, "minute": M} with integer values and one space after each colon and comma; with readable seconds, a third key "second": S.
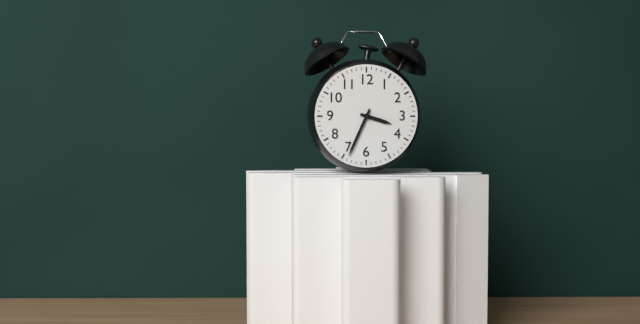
{"hour": 3, "minute": 34}
